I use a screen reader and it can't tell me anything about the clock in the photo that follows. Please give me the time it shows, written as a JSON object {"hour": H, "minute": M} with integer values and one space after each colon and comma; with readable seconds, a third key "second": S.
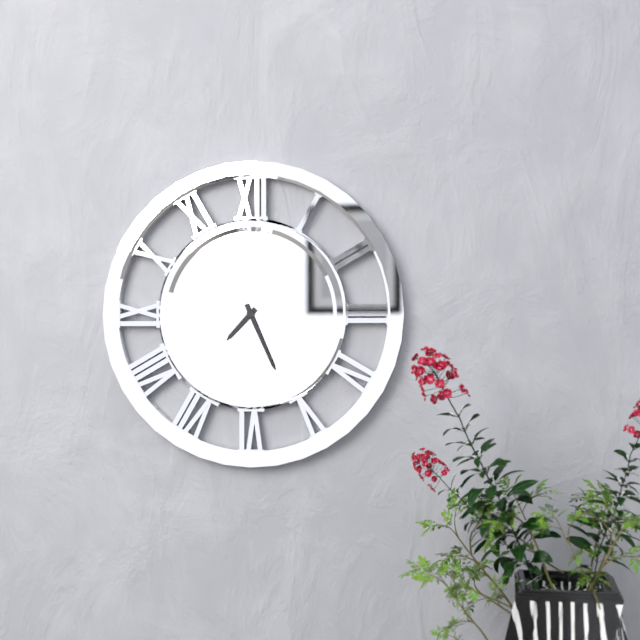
{"hour": 7, "minute": 26}
